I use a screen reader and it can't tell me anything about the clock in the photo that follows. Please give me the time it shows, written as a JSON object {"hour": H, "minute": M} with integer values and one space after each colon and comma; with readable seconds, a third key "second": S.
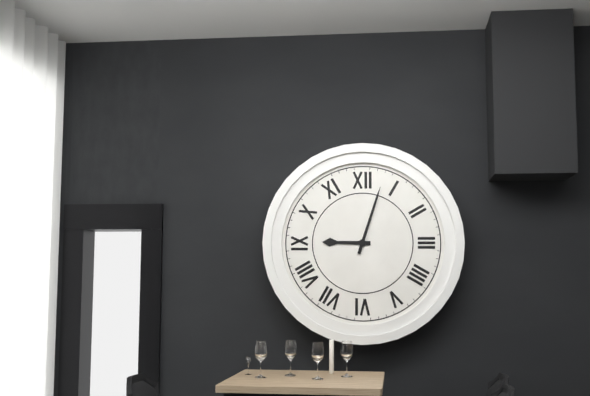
{"hour": 9, "minute": 3}
